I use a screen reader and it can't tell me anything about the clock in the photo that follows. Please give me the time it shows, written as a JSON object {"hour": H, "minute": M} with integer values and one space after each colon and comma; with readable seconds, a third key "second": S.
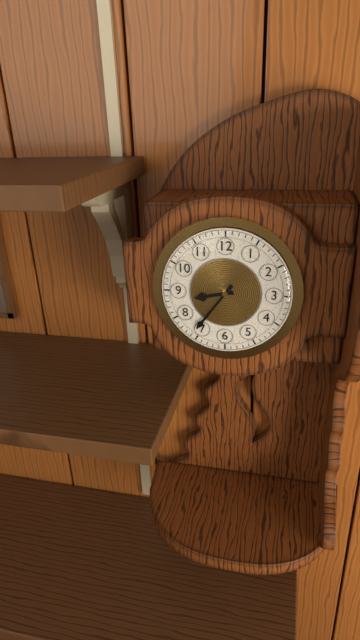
{"hour": 8, "minute": 36}
